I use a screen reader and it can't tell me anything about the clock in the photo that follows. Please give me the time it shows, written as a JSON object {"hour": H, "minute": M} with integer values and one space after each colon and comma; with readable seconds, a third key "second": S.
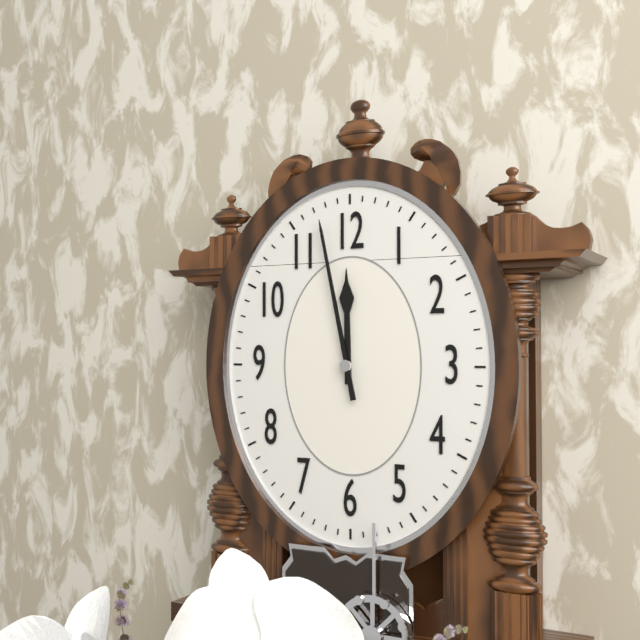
{"hour": 11, "minute": 58}
